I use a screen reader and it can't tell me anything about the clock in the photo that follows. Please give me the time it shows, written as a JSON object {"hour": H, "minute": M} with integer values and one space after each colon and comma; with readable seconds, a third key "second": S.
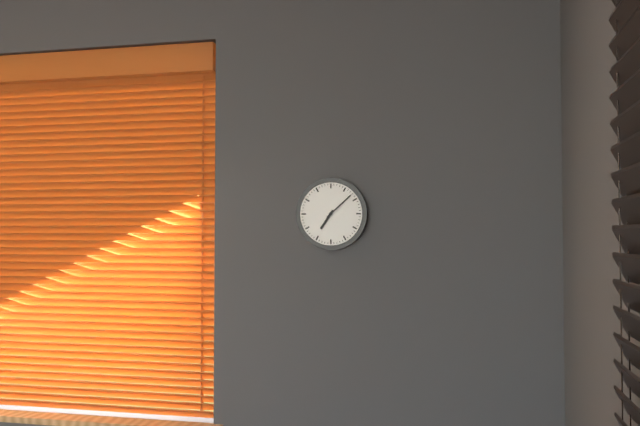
{"hour": 7, "minute": 8}
